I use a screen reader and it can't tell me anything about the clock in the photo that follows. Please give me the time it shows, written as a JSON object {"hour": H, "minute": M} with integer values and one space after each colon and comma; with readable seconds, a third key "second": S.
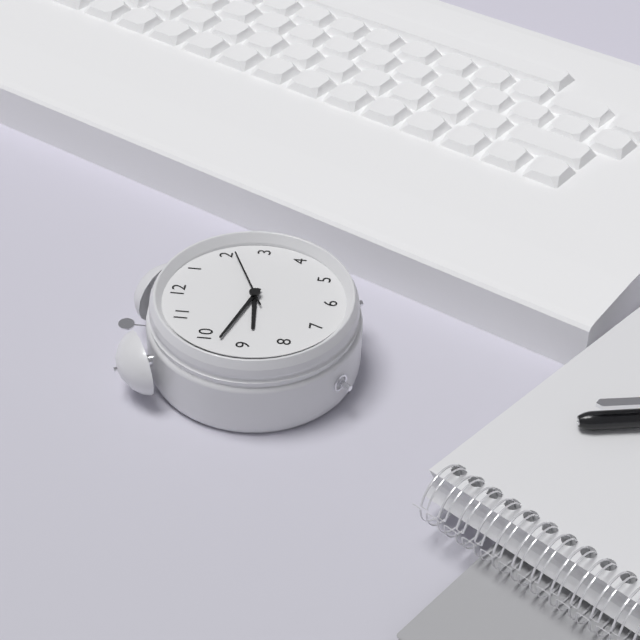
{"hour": 8, "minute": 48, "second": 11}
